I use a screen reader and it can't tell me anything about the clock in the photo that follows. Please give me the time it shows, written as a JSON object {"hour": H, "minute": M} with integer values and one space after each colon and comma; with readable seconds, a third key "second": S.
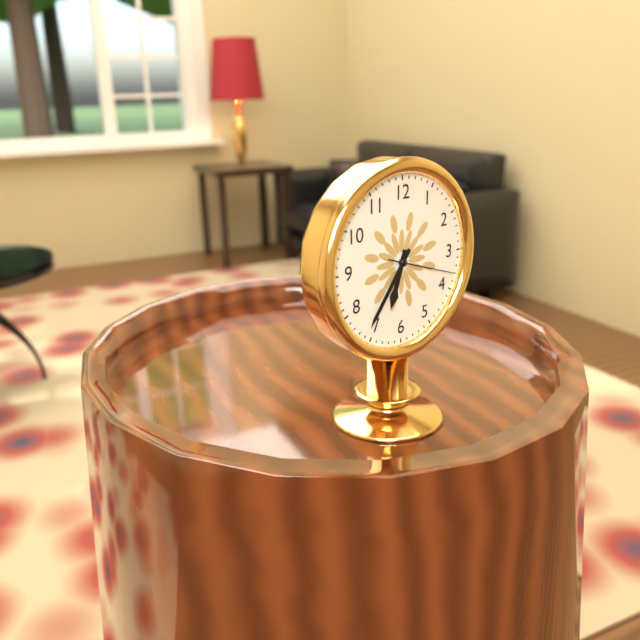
{"hour": 6, "minute": 36, "second": 18}
